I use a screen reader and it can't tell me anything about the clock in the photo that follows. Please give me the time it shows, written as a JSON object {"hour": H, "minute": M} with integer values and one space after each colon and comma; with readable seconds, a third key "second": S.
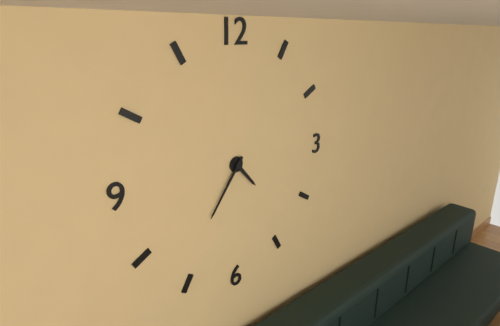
{"hour": 4, "minute": 36}
